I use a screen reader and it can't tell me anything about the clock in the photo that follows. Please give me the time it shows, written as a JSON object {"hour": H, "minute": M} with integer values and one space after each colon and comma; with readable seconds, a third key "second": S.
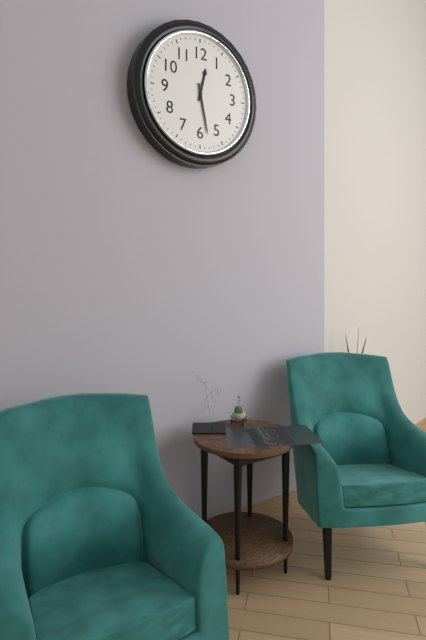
{"hour": 12, "minute": 28}
